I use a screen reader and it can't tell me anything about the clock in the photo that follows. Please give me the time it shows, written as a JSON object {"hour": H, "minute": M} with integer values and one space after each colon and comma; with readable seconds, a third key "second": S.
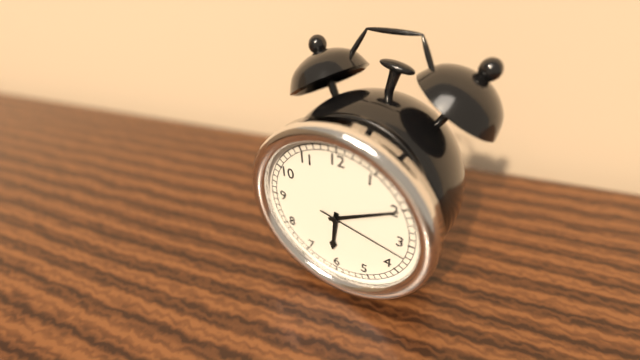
{"hour": 6, "minute": 10, "second": 17}
